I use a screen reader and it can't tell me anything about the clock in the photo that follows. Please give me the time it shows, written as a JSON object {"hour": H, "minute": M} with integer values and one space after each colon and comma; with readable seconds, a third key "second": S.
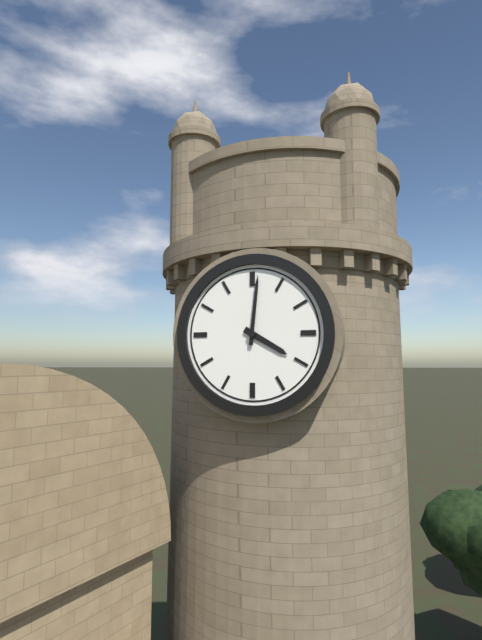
{"hour": 4, "minute": 1}
